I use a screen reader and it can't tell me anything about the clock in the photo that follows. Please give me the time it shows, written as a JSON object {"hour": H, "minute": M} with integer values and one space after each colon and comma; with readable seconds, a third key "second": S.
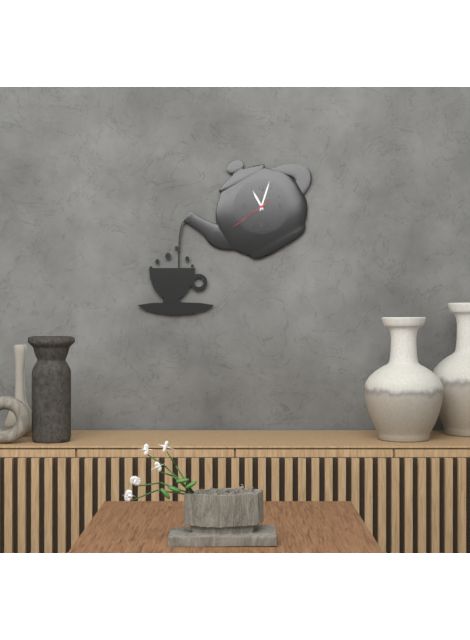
{"hour": 11, "minute": 3}
